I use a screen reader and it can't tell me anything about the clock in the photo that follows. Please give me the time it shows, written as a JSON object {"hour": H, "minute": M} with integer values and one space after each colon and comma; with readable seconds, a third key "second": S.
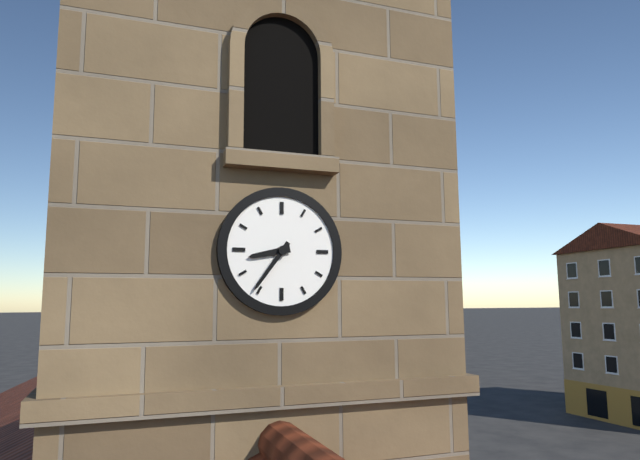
{"hour": 8, "minute": 36}
